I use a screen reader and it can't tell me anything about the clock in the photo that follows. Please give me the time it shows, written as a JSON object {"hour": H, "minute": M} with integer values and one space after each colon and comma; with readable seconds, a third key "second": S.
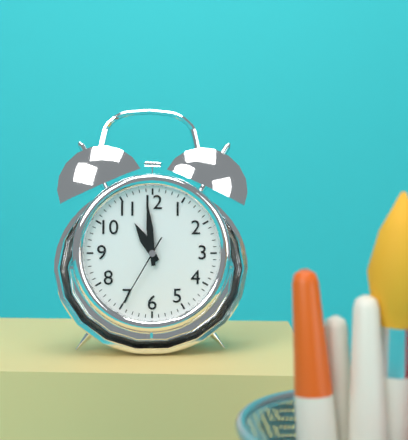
{"hour": 10, "minute": 59, "second": 35}
